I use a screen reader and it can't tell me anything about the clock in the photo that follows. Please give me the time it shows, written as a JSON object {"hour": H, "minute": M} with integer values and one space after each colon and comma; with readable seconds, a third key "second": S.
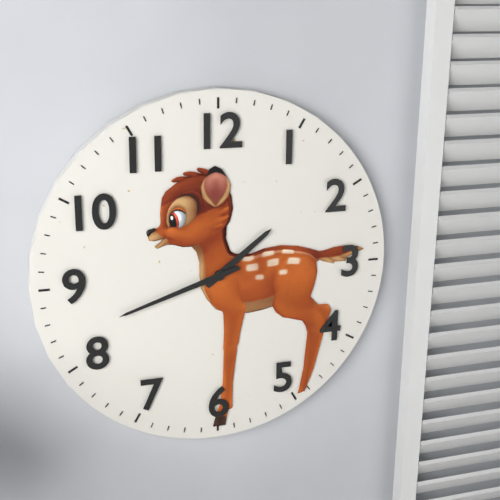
{"hour": 1, "minute": 42}
